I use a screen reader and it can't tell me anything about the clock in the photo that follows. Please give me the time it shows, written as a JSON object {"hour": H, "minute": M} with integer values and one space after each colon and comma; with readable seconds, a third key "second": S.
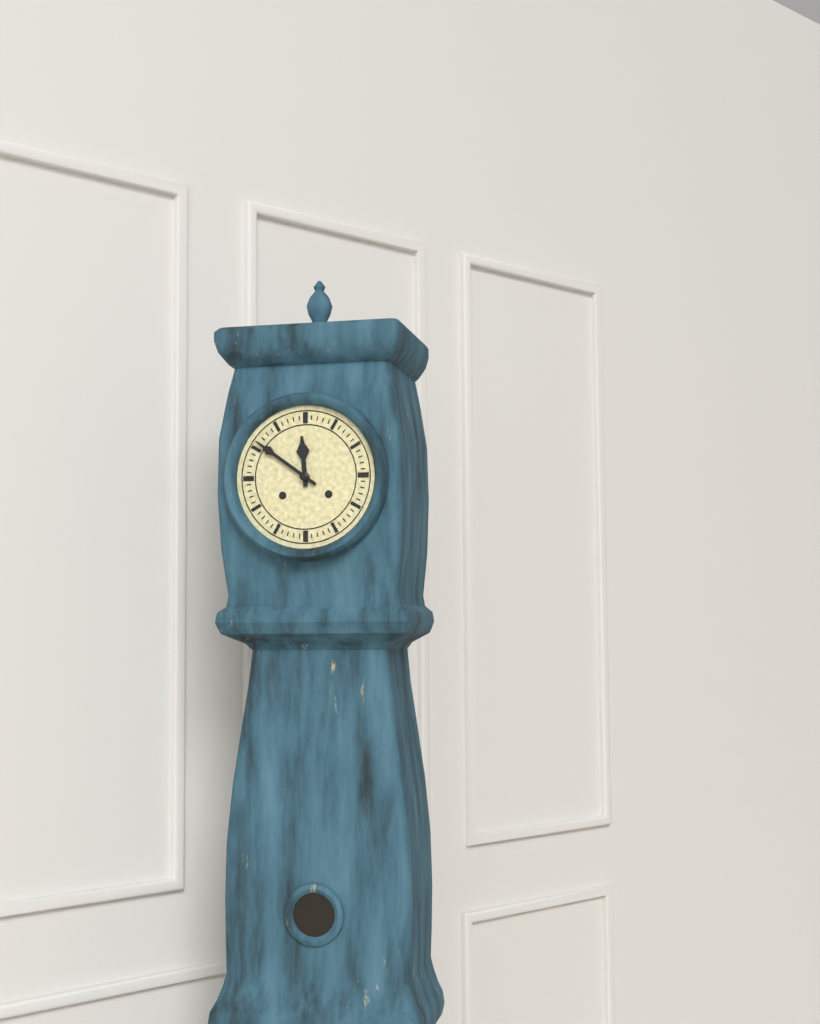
{"hour": 11, "minute": 51}
